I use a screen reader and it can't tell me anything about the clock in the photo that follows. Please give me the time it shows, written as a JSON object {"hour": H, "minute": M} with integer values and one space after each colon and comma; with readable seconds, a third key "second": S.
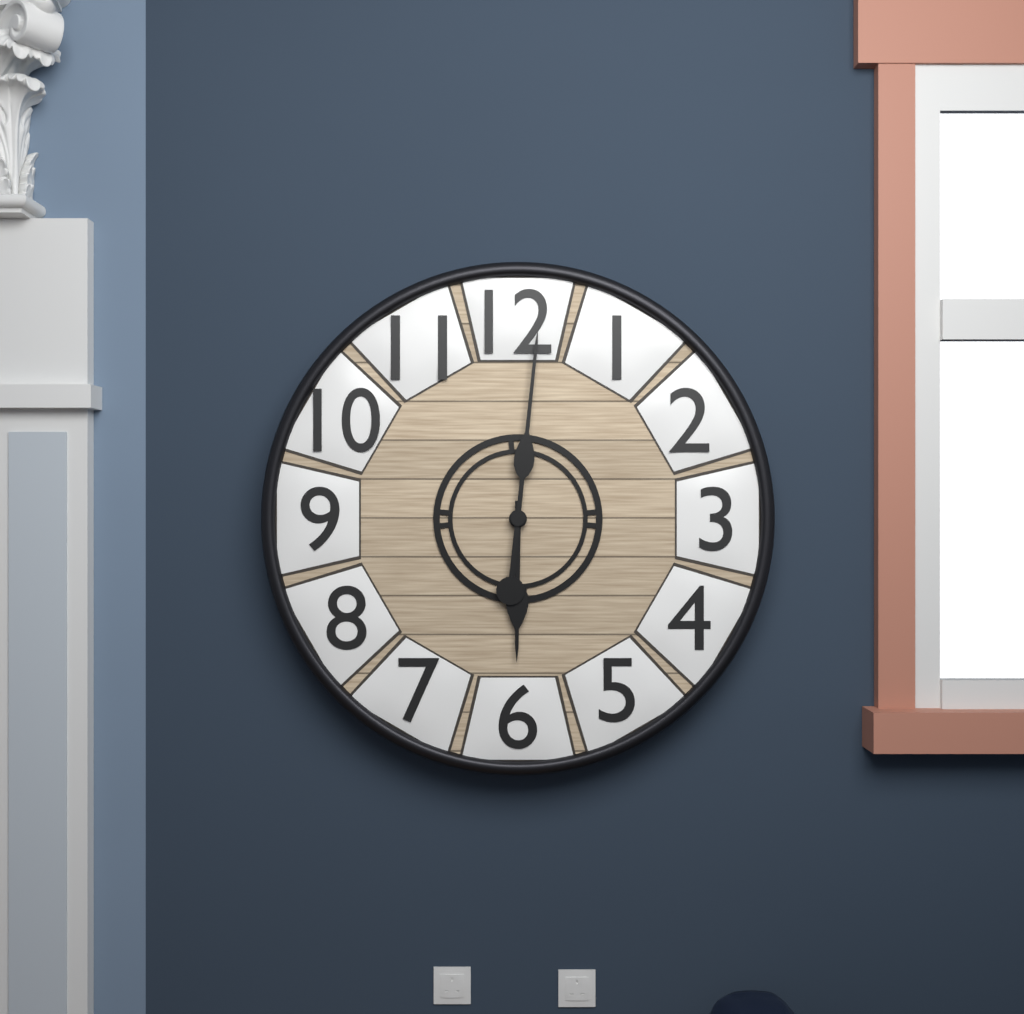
{"hour": 6, "minute": 1}
